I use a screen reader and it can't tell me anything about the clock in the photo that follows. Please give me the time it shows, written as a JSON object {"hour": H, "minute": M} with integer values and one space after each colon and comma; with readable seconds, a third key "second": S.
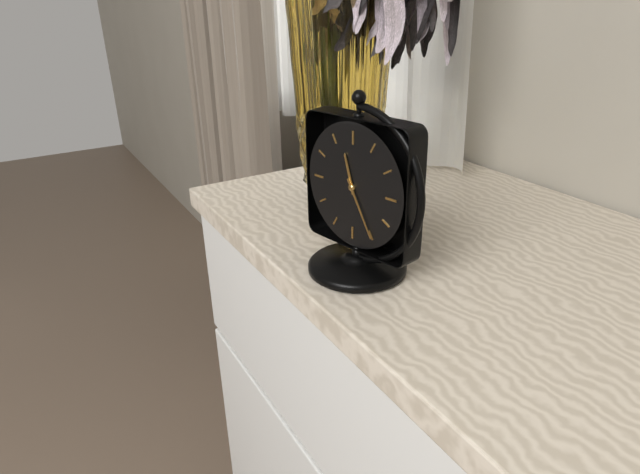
{"hour": 11, "minute": 25}
